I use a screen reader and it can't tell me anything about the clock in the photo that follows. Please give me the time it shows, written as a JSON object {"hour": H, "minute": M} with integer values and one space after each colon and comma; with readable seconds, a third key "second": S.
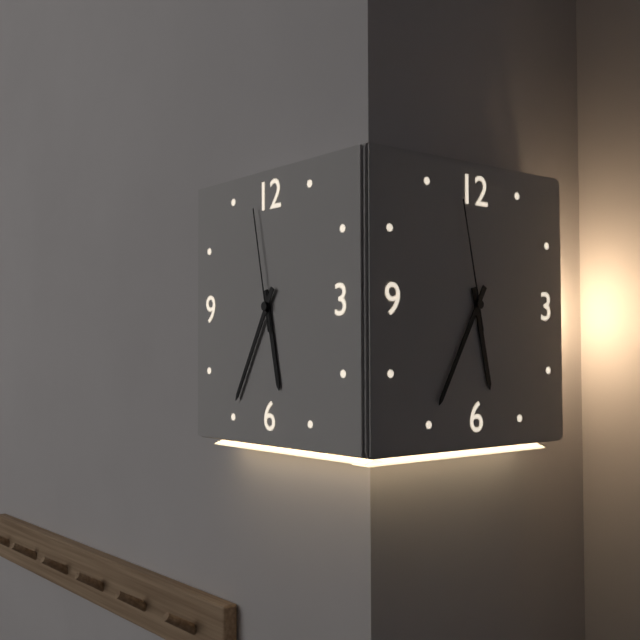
{"hour": 5, "minute": 35, "second": 58}
